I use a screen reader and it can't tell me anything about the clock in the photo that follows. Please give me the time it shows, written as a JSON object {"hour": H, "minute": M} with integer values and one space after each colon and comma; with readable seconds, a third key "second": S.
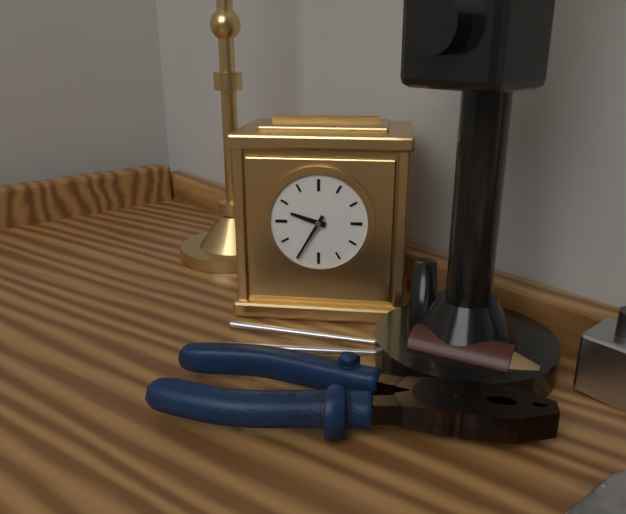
{"hour": 9, "minute": 35}
